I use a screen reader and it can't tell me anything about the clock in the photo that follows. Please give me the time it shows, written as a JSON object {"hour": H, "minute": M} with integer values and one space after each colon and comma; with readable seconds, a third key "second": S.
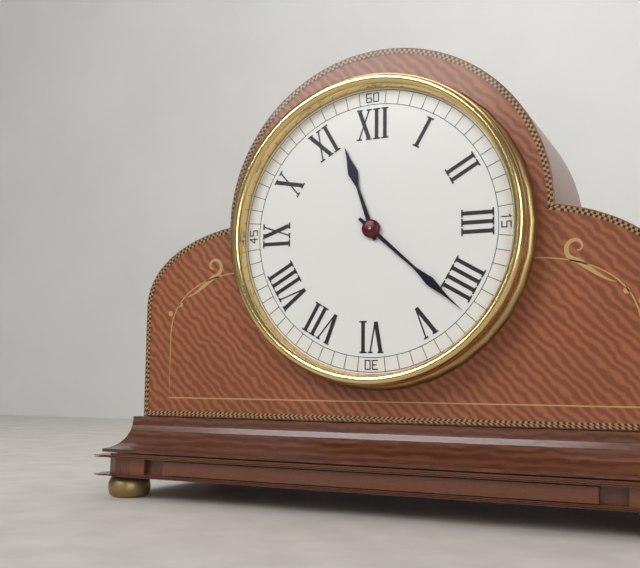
{"hour": 11, "minute": 22}
